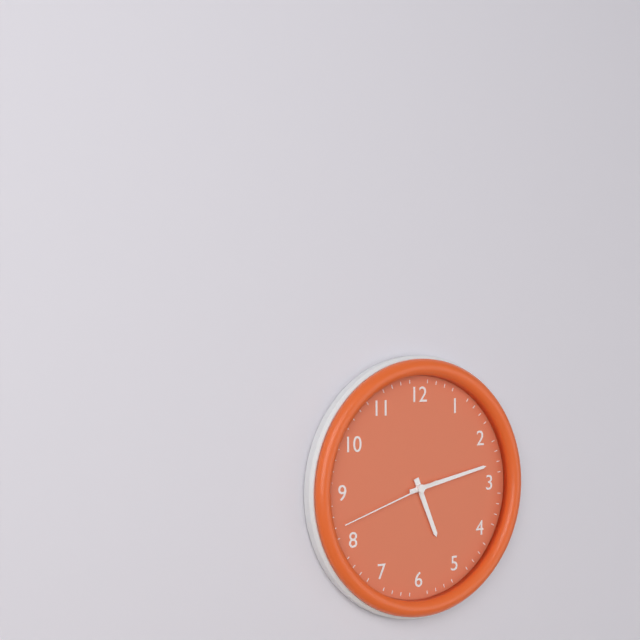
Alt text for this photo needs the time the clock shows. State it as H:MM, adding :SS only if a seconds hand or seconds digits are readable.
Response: 5:13:42
